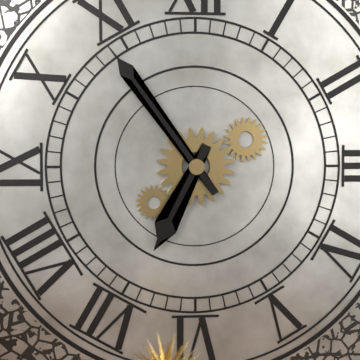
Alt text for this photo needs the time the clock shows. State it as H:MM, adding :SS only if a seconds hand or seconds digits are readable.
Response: 6:54
